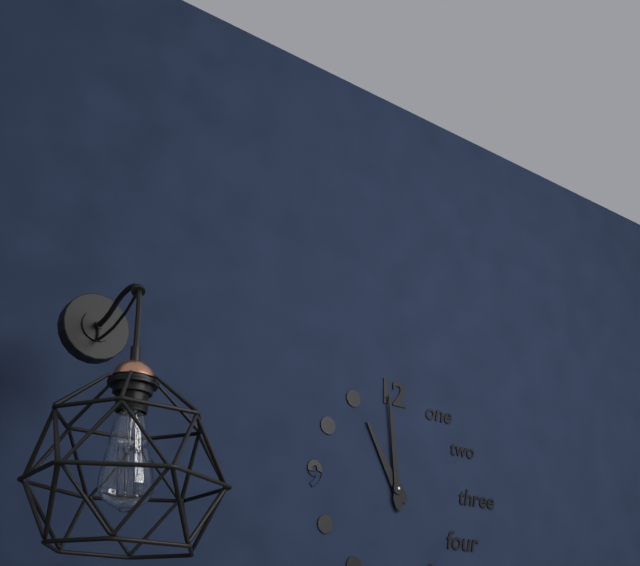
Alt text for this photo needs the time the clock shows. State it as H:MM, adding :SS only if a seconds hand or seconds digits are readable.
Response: 10:59
